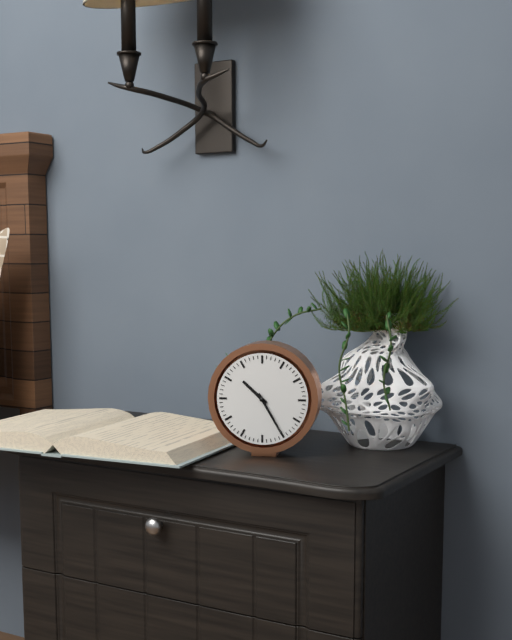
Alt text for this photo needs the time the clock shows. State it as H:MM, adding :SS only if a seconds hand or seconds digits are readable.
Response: 10:25
